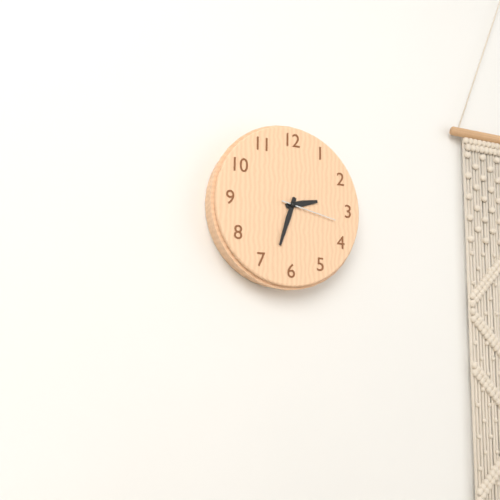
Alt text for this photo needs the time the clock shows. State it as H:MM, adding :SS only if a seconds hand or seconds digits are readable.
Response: 2:33:17
